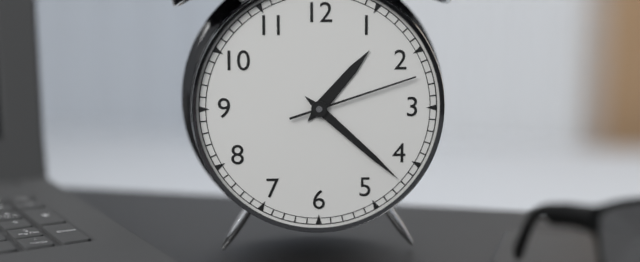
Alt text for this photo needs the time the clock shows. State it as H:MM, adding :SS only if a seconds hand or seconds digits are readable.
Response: 1:22:12
